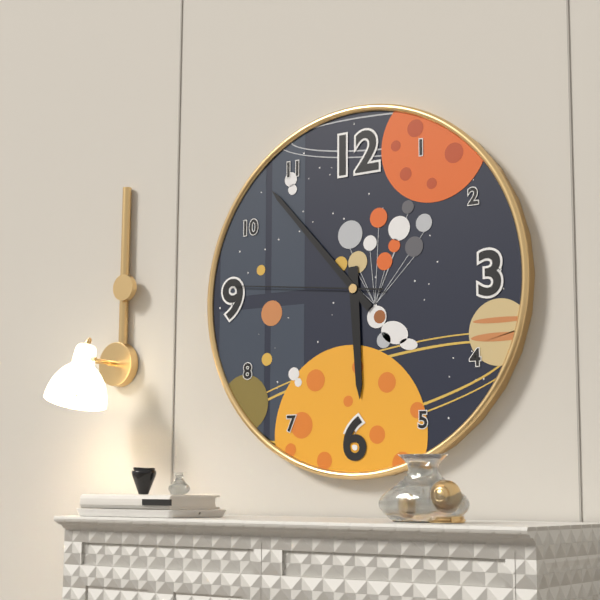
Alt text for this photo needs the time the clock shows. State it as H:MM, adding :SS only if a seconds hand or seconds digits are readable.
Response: 5:53:46
